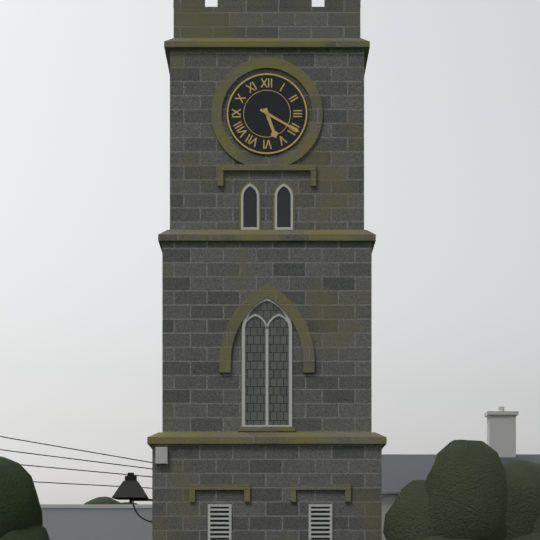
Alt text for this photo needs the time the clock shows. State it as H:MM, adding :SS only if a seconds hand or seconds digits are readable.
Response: 5:20
